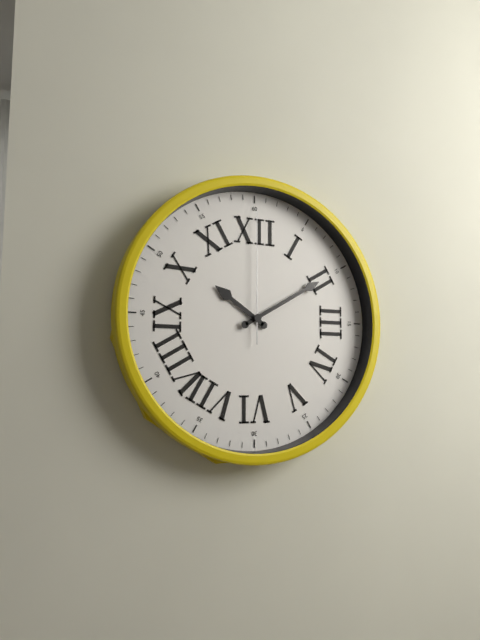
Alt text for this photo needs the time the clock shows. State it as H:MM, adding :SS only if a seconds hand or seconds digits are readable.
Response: 10:10:00
